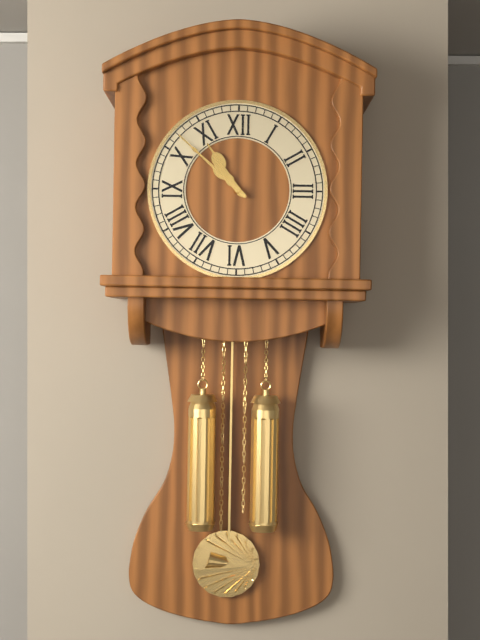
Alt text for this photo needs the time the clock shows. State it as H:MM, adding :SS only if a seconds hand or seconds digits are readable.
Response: 10:52
